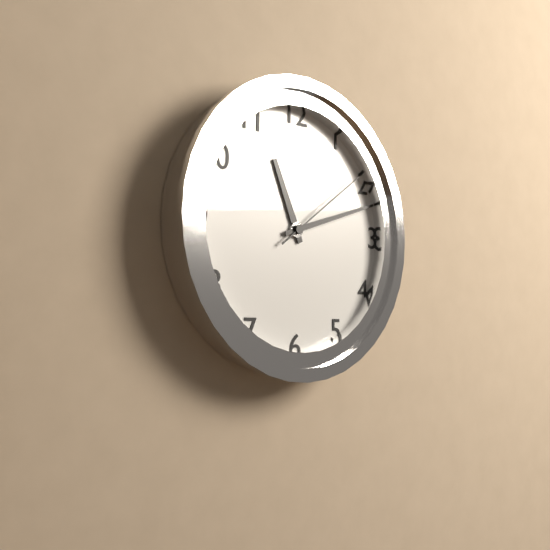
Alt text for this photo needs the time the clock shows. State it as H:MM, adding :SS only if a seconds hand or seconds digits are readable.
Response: 11:12:09
